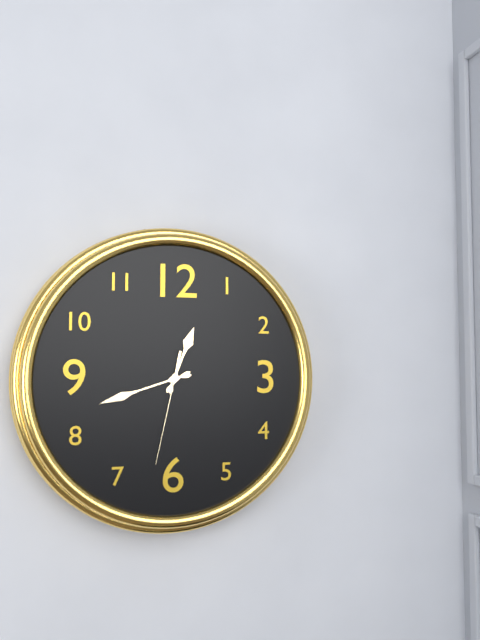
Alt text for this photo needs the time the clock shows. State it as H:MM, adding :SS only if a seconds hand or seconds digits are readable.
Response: 12:42:32
